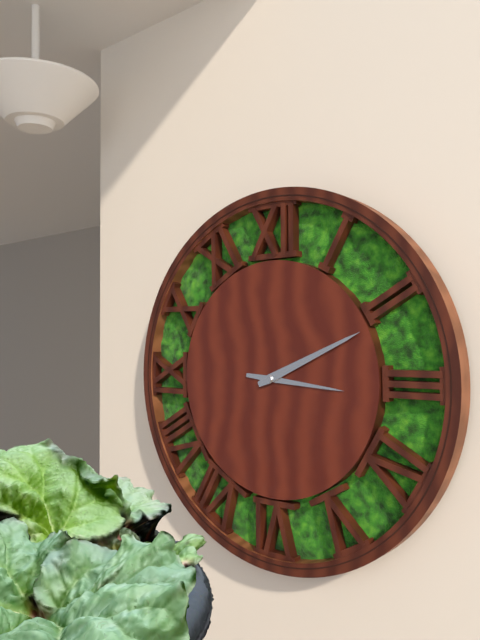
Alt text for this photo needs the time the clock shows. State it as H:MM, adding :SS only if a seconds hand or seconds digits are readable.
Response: 3:11
